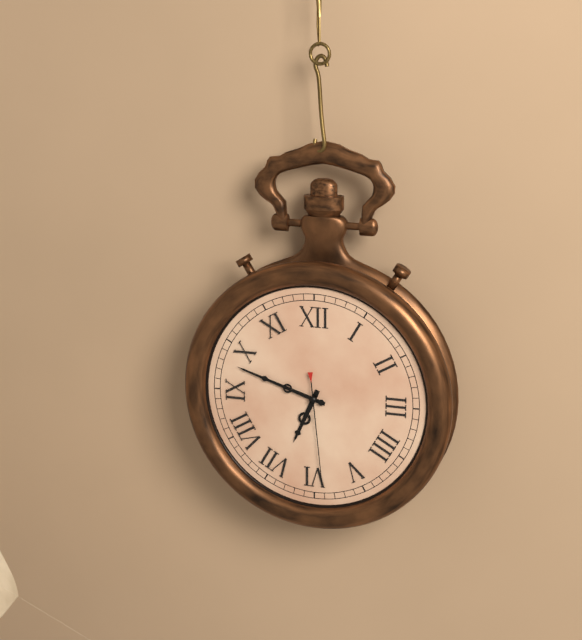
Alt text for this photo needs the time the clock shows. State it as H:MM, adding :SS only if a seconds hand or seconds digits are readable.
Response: 6:48:29
